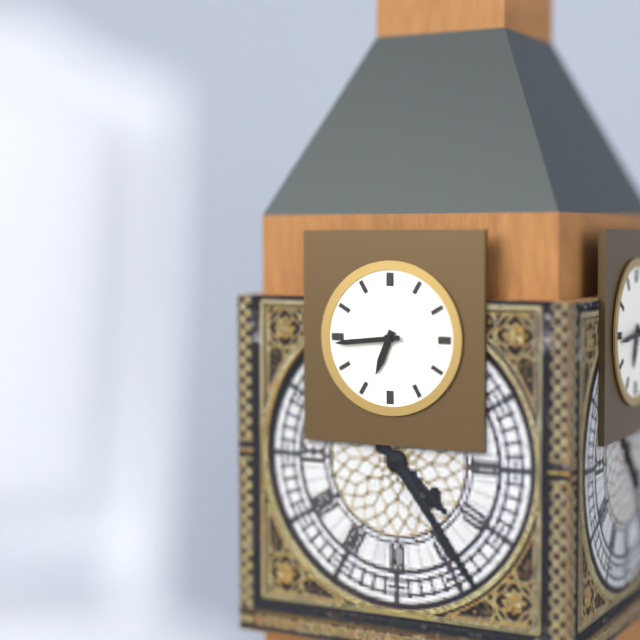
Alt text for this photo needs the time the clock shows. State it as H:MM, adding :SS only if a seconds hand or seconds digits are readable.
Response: 6:44
